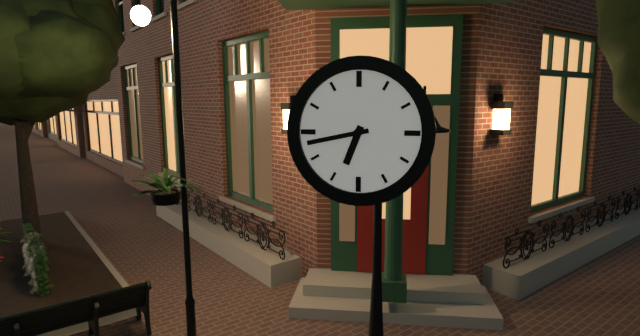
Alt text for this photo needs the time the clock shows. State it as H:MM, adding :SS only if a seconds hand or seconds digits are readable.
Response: 6:43
